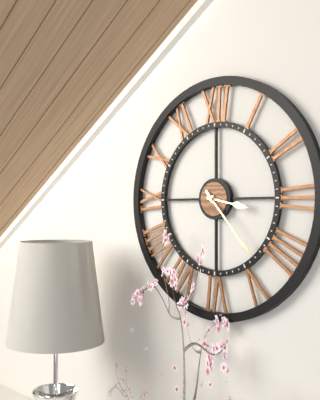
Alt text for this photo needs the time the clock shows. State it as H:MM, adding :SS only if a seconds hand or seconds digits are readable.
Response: 3:23
